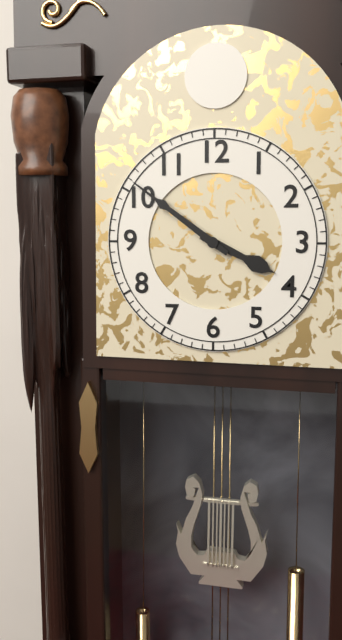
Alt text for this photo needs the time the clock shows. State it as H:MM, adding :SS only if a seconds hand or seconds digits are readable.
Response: 3:51
